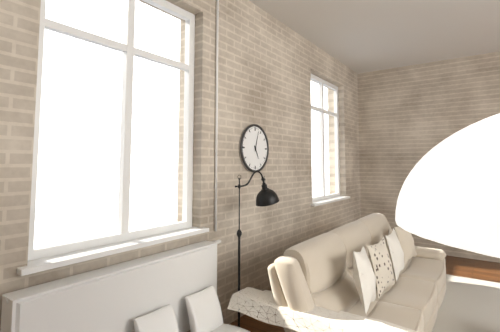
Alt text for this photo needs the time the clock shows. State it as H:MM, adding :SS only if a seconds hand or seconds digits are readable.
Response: 5:03
